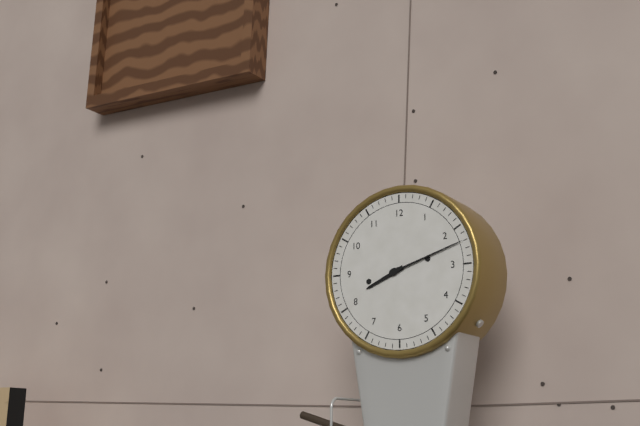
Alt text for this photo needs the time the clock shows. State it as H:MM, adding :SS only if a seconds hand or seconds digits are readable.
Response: 8:12
